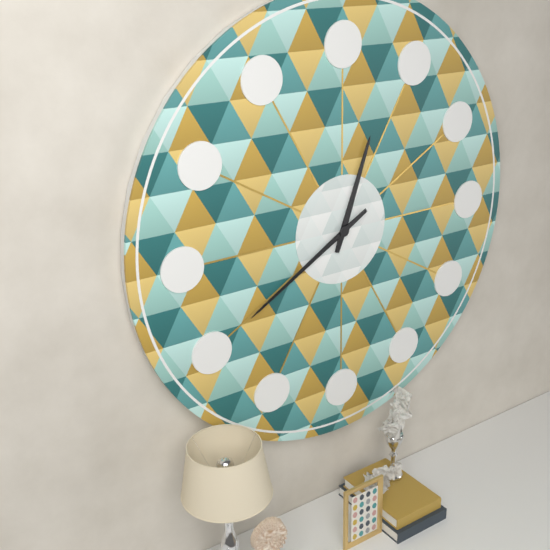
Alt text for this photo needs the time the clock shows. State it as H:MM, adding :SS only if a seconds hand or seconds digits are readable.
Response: 12:40
